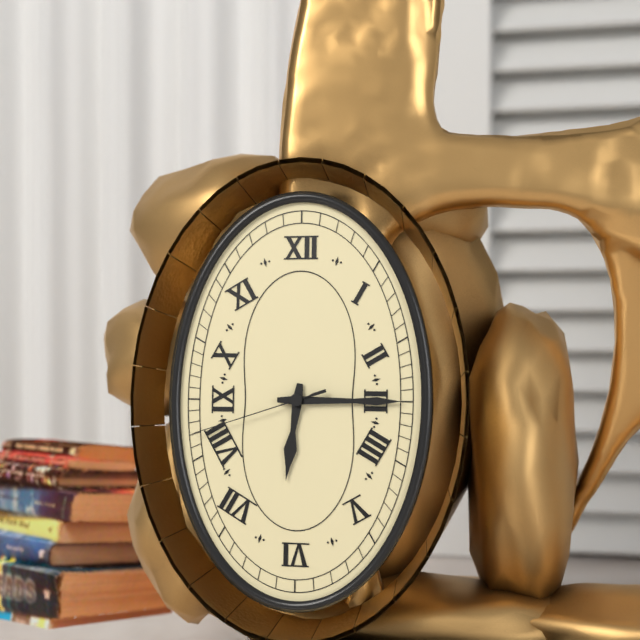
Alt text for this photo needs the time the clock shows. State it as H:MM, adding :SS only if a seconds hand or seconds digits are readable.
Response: 6:15:42
